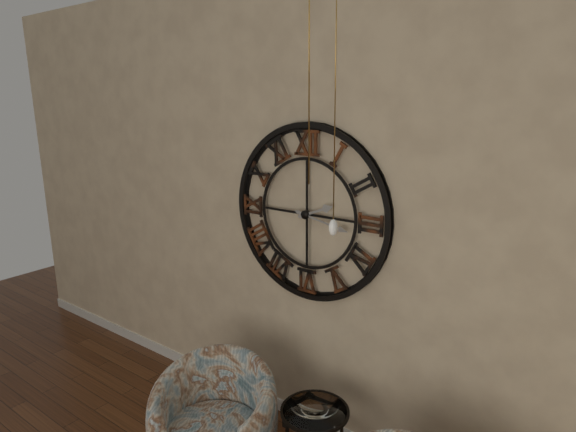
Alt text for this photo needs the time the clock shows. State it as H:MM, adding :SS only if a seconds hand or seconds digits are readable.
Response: 2:17
